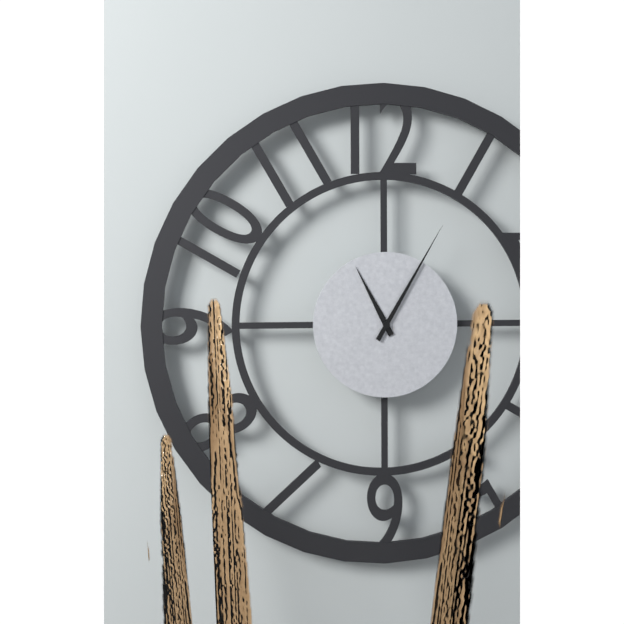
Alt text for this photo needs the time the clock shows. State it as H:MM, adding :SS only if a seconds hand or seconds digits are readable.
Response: 11:05
